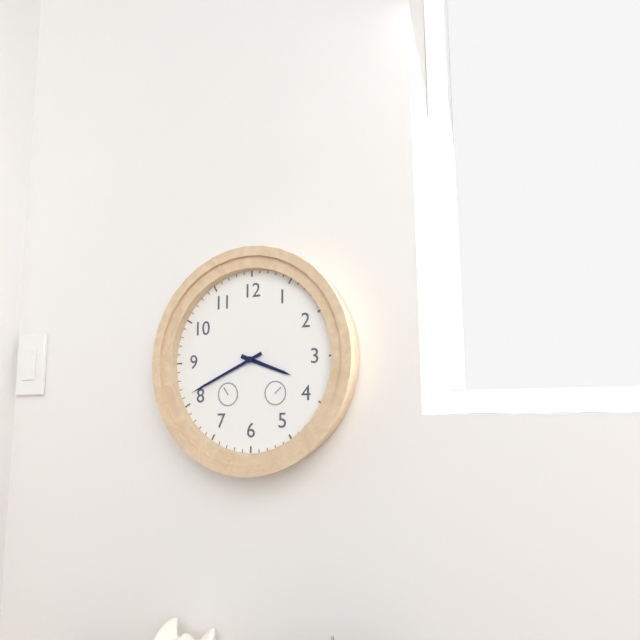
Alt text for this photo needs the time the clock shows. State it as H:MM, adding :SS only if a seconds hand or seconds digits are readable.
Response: 3:41
